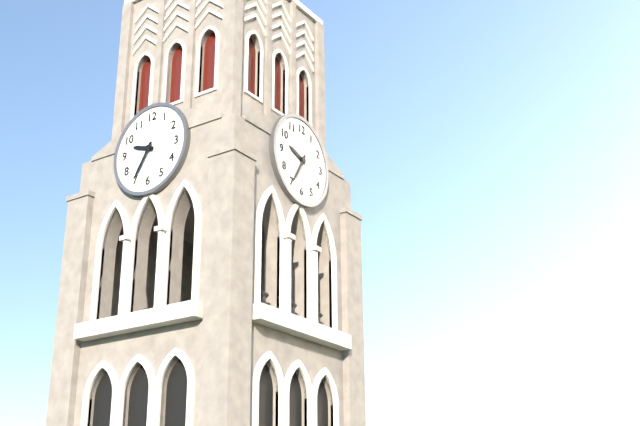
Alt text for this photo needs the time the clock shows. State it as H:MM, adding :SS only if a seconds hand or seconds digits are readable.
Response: 9:35
